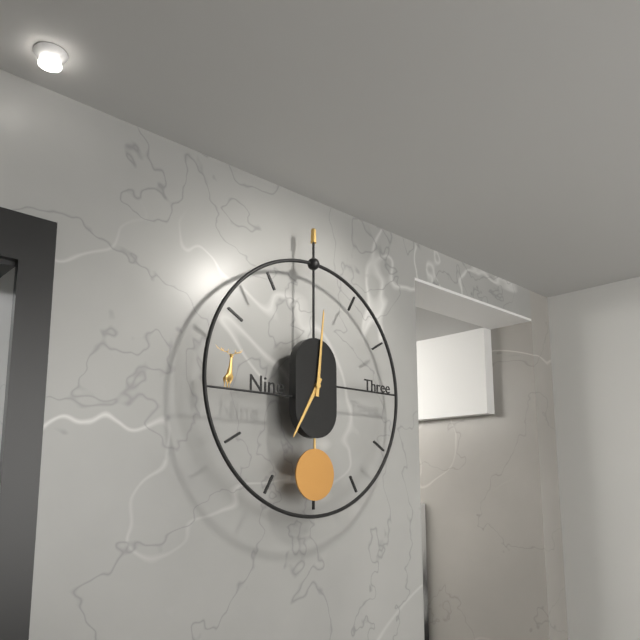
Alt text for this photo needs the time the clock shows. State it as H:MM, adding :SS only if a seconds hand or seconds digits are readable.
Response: 7:01
